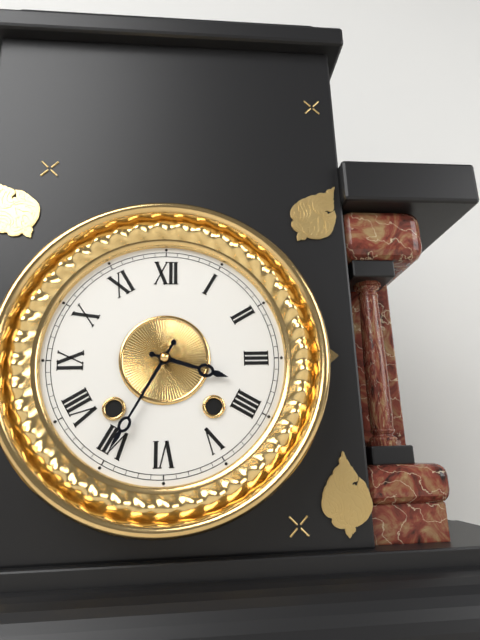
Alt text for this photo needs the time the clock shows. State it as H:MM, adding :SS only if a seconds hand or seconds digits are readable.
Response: 3:35
